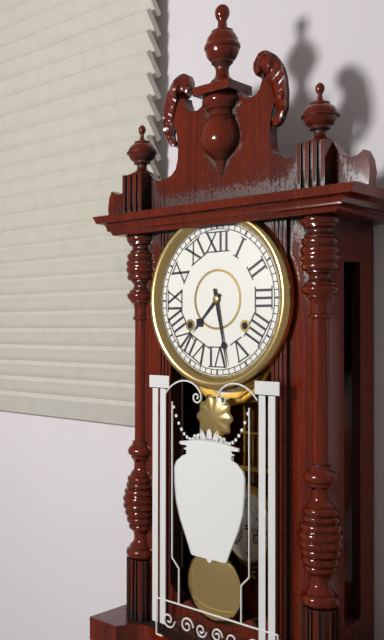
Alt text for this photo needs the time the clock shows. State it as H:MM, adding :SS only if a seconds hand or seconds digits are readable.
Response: 7:28
